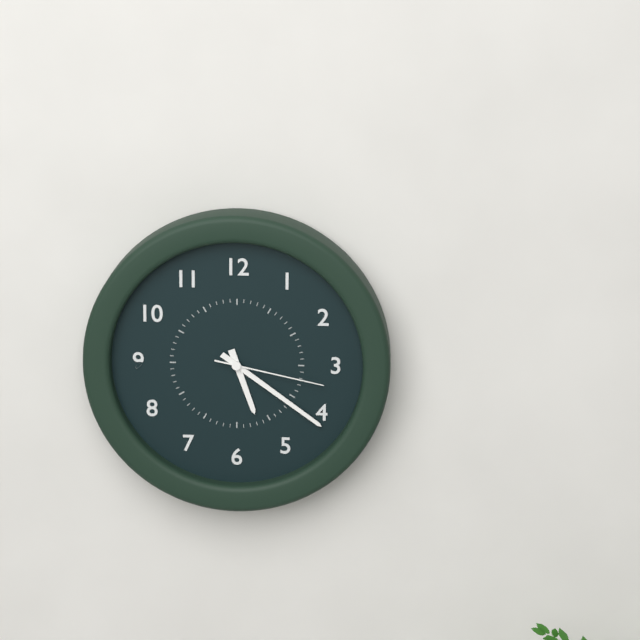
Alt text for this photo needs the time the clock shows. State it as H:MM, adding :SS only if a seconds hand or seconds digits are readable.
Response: 5:21:17
